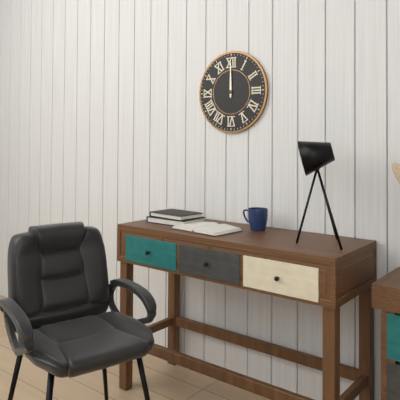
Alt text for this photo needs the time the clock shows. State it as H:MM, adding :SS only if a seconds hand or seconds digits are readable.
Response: 12:00
